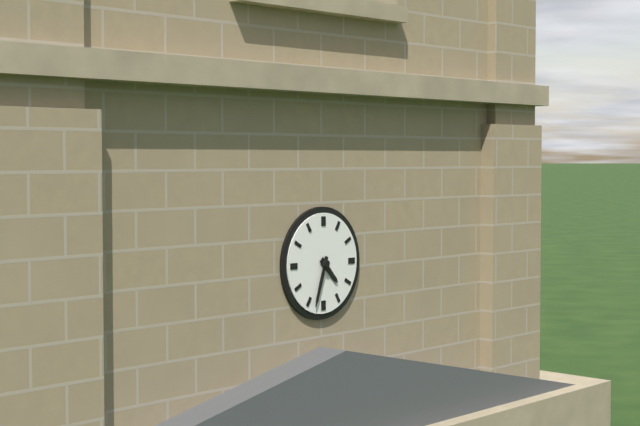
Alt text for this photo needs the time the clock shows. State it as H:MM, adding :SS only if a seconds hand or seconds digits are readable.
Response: 4:33
